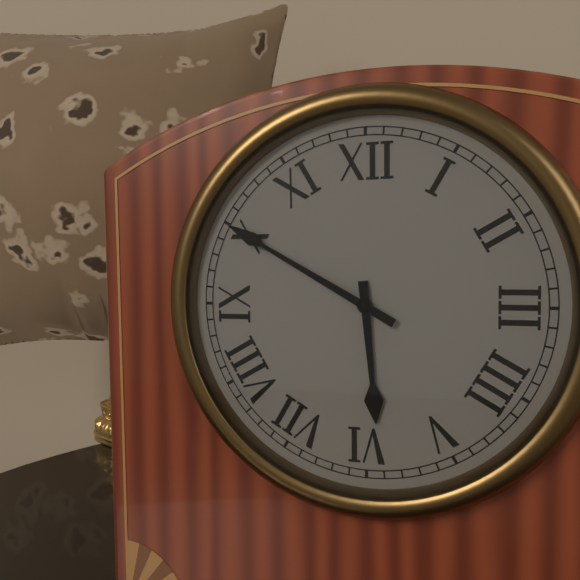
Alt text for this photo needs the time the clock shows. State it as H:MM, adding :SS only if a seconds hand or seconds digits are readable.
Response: 5:50
